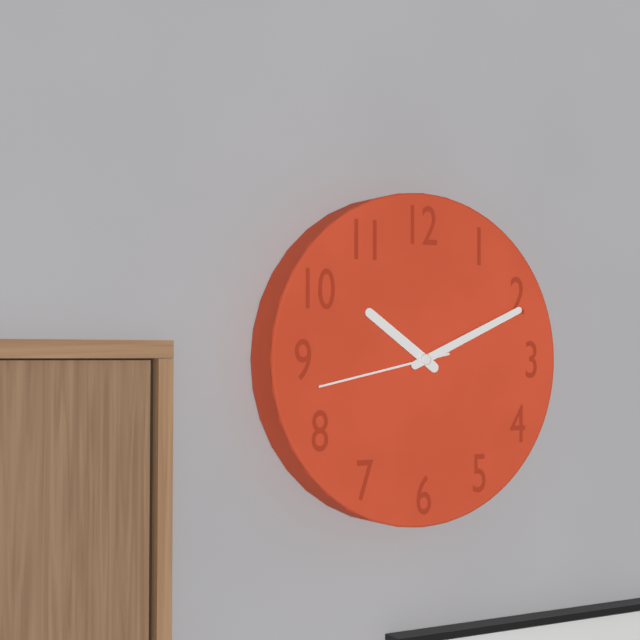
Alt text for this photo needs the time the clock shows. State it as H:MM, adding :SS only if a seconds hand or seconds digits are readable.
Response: 10:11:43
